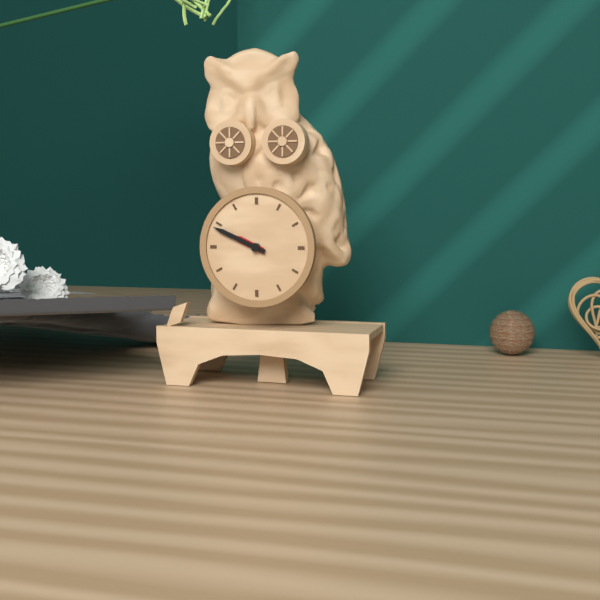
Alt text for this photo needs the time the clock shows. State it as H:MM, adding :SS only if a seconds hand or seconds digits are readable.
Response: 9:49
